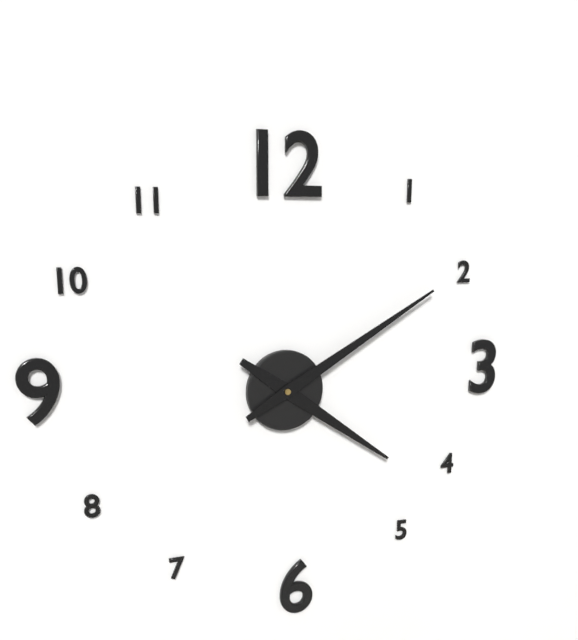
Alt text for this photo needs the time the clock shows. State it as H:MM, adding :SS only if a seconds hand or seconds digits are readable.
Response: 4:10
